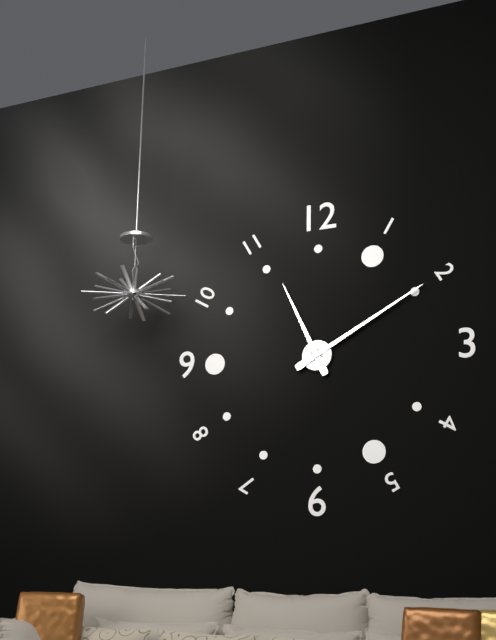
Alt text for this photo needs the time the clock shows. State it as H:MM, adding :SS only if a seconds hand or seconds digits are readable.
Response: 11:10
